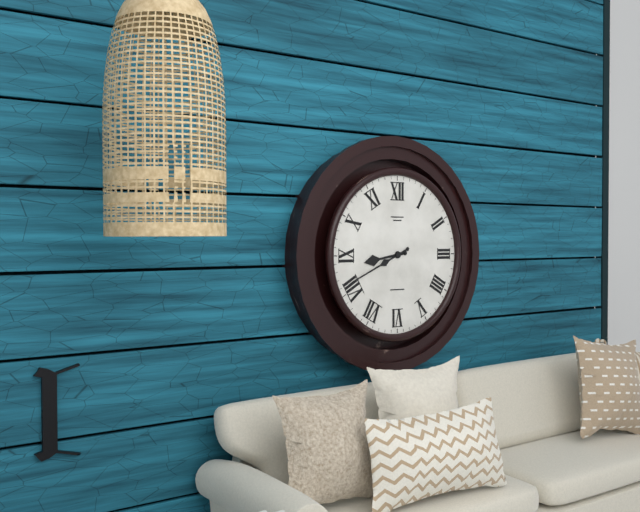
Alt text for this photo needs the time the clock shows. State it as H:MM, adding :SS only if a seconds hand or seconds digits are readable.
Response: 8:41
